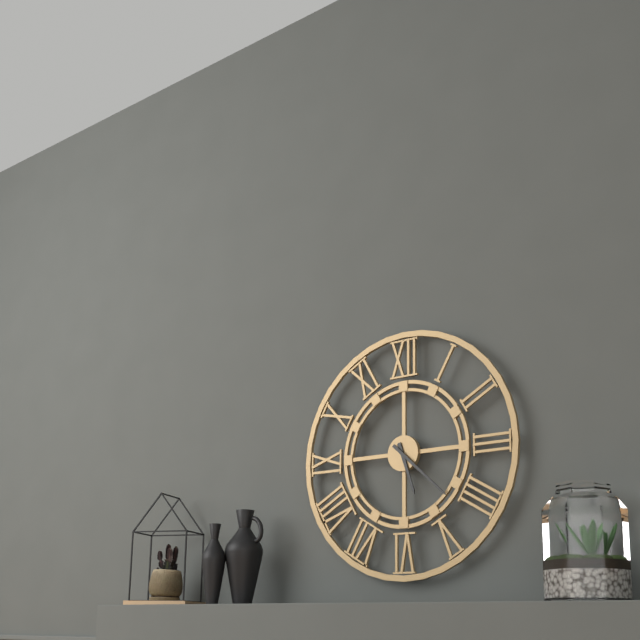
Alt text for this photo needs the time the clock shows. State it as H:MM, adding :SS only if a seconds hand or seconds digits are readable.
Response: 5:22
